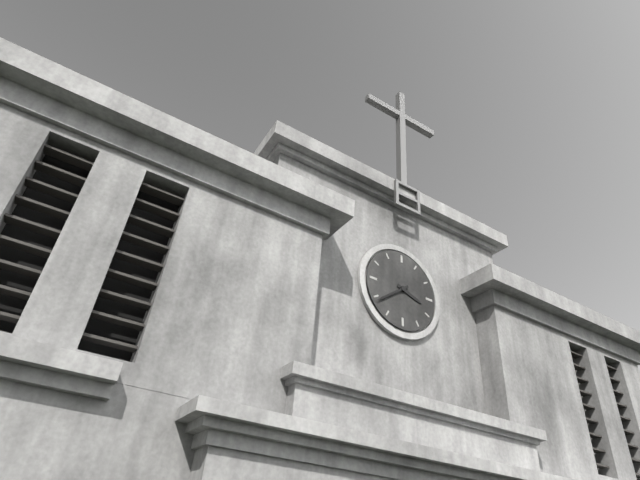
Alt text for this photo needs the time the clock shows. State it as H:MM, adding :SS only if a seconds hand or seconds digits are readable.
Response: 3:39
